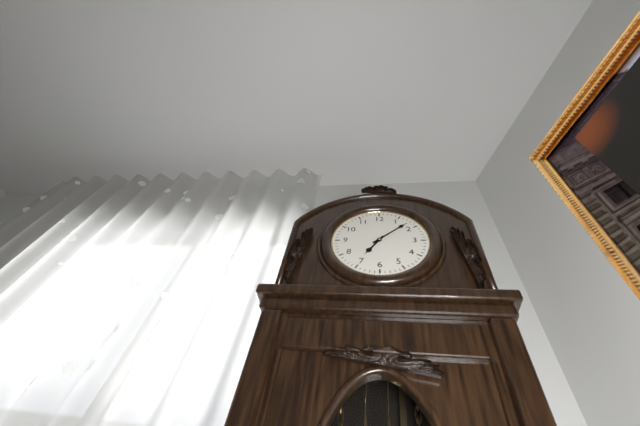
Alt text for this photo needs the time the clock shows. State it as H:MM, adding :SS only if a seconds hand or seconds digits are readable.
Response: 7:08
